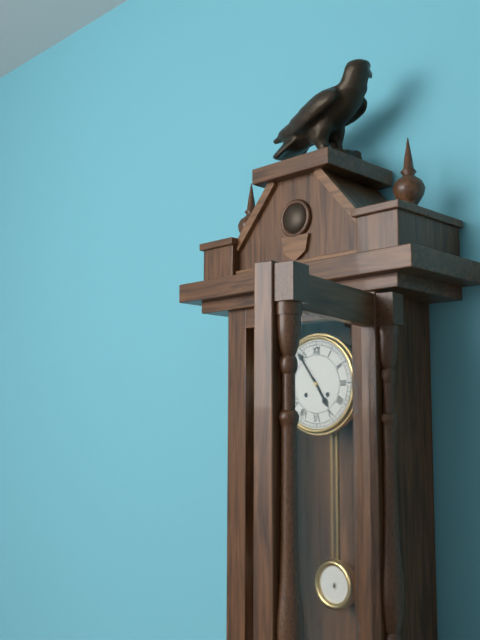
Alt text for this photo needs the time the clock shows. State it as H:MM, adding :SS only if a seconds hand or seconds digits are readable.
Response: 4:54
